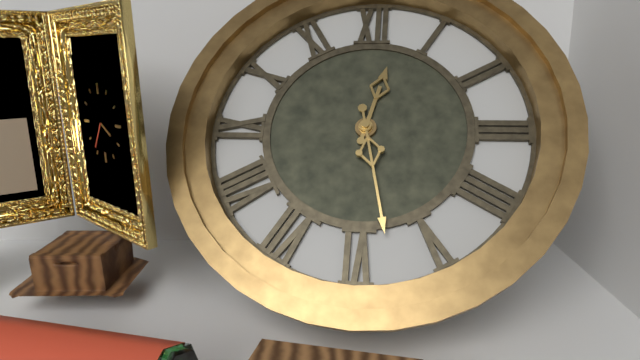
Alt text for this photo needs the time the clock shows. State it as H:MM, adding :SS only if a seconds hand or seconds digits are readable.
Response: 12:28
